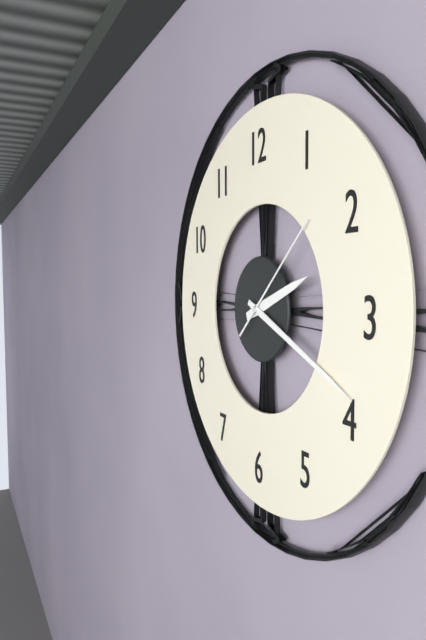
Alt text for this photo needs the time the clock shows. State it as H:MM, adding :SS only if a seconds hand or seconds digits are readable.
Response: 2:19:08
